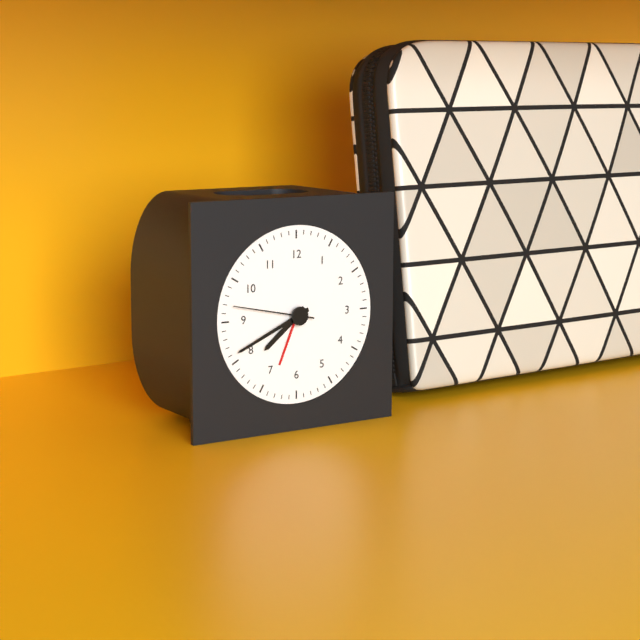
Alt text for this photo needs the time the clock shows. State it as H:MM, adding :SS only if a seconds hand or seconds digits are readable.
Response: 7:41:47
